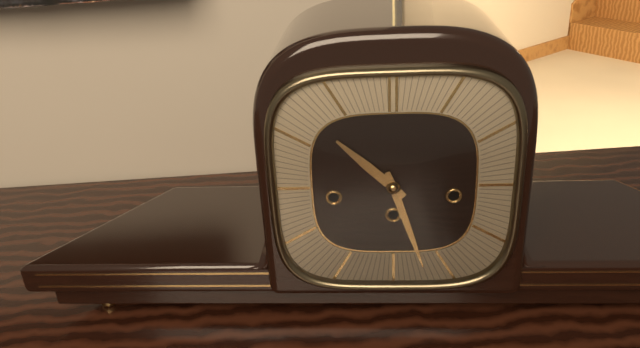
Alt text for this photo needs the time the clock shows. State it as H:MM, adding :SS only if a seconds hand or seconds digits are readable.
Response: 10:27
